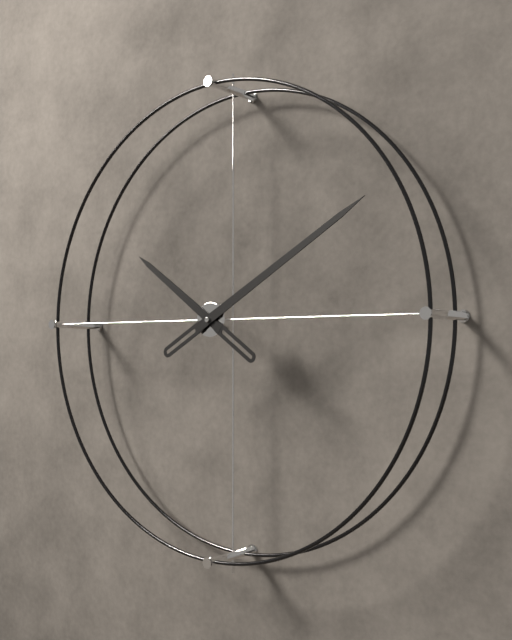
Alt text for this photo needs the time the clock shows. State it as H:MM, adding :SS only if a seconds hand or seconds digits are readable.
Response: 10:10
